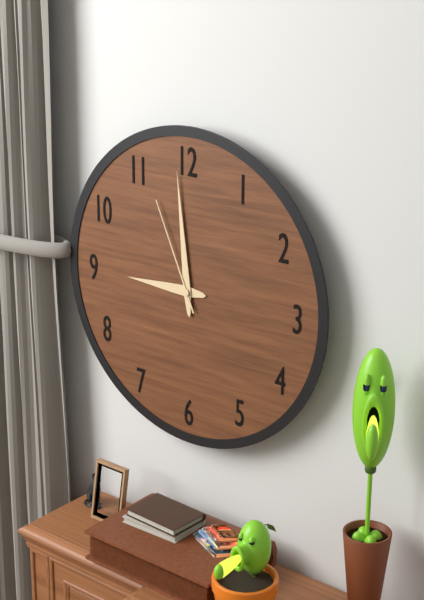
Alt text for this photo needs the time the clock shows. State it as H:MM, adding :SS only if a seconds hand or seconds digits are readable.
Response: 8:59:56
